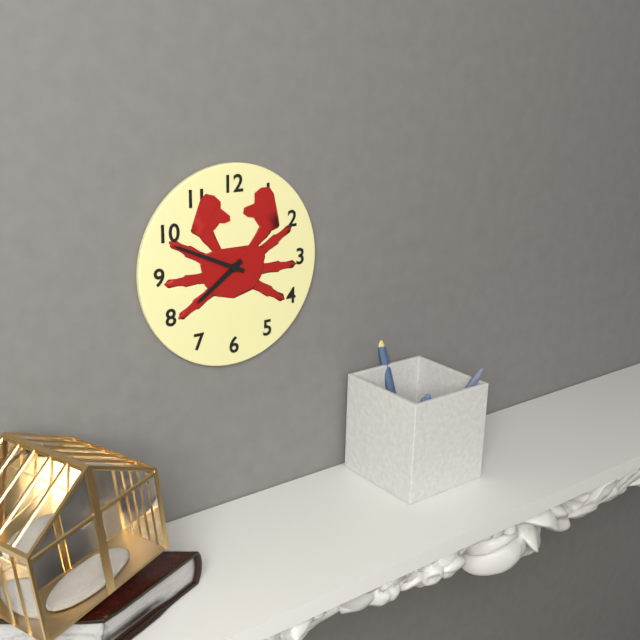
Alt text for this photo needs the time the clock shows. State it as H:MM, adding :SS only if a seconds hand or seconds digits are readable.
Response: 7:49
